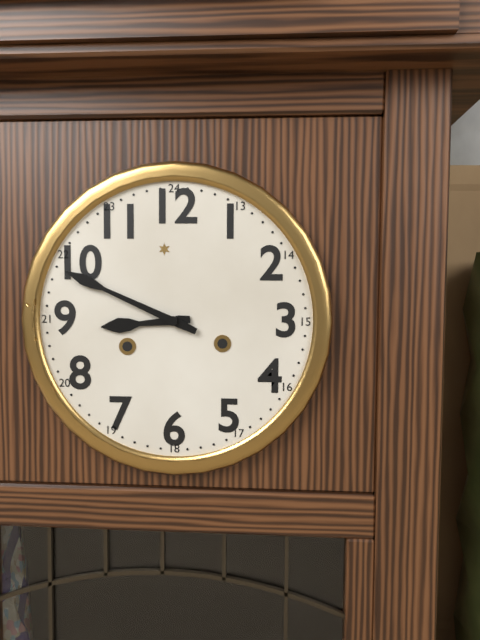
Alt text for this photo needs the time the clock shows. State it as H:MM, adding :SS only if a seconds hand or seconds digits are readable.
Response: 8:49
